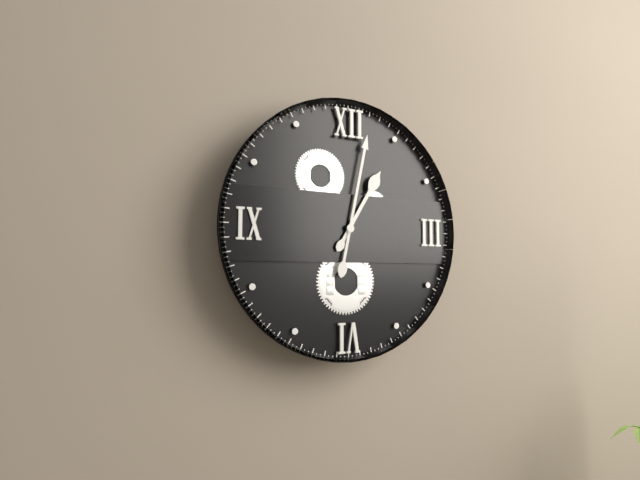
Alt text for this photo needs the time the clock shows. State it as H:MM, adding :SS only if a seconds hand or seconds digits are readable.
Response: 1:02
